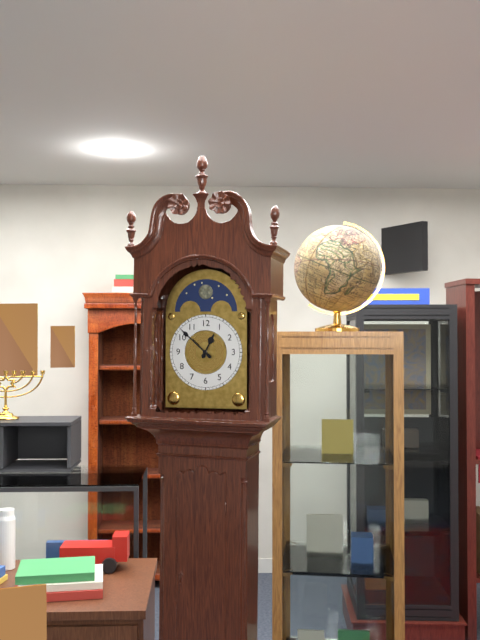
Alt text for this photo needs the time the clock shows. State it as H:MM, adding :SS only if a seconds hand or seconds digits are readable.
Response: 12:52
